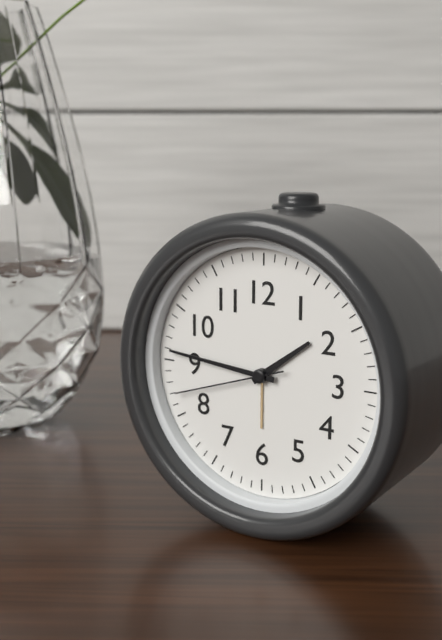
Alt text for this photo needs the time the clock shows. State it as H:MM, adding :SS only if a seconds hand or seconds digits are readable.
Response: 1:46:42
